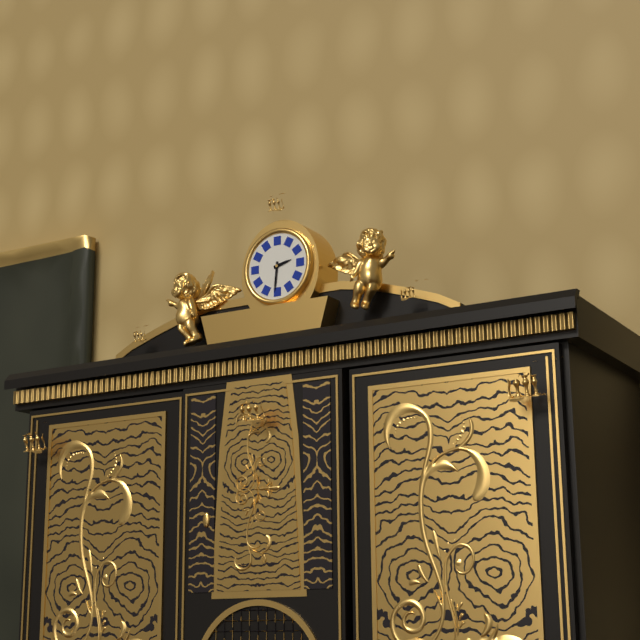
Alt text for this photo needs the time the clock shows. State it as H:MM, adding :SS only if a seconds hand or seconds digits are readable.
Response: 2:31
